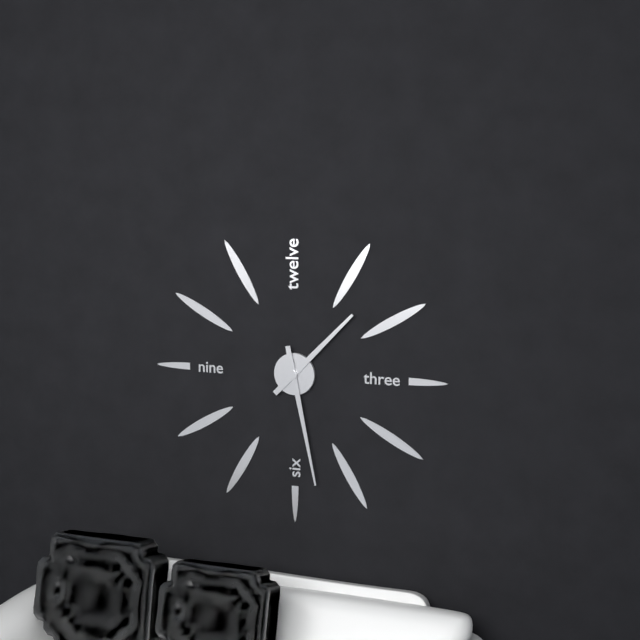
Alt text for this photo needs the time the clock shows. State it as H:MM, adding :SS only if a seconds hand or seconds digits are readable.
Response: 1:28
